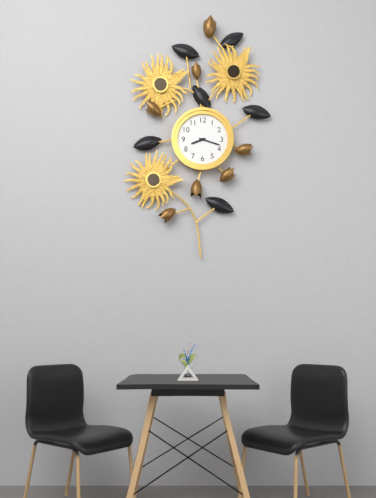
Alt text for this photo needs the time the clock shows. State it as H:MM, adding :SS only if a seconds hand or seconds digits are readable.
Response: 8:18
